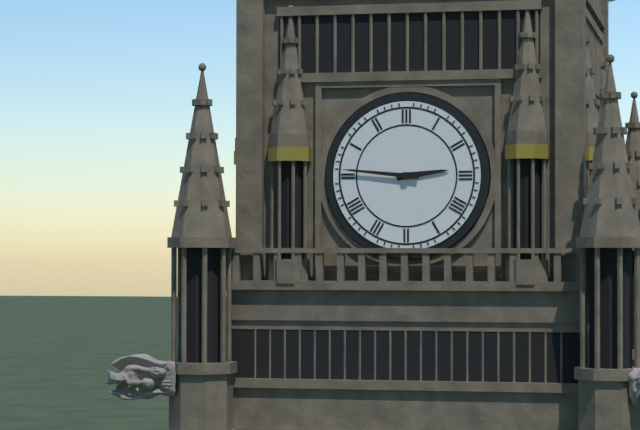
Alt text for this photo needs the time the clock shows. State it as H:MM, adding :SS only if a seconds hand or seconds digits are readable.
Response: 2:46
